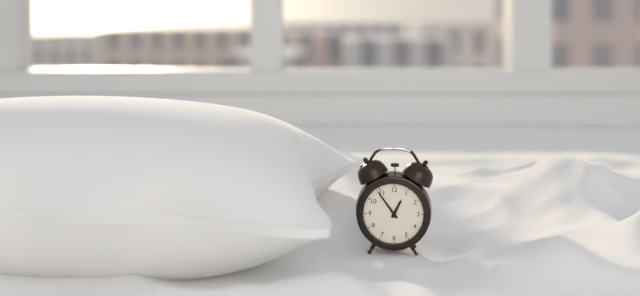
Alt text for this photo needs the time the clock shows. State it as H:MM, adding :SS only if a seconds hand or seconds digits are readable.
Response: 12:54
